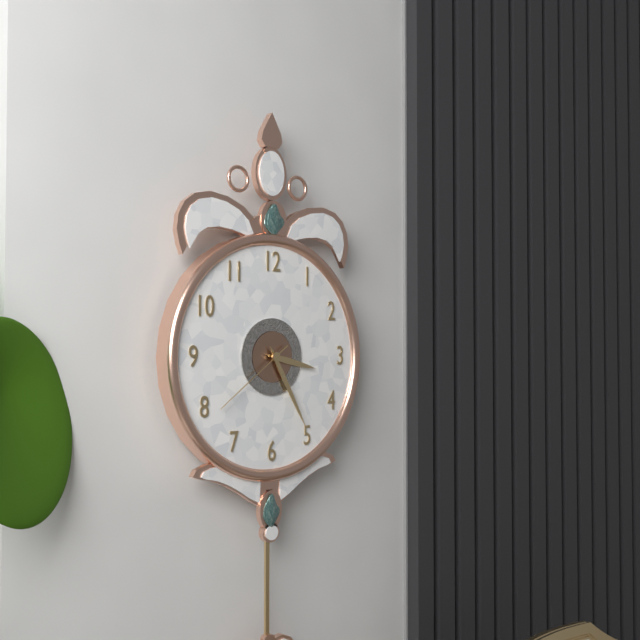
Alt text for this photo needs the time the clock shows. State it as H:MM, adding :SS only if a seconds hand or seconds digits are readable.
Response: 3:25:39
